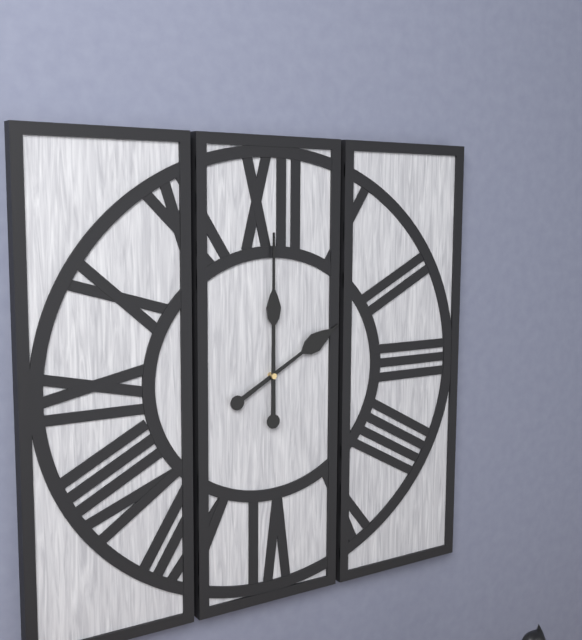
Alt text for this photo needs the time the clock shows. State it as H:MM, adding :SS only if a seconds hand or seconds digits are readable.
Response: 2:00
